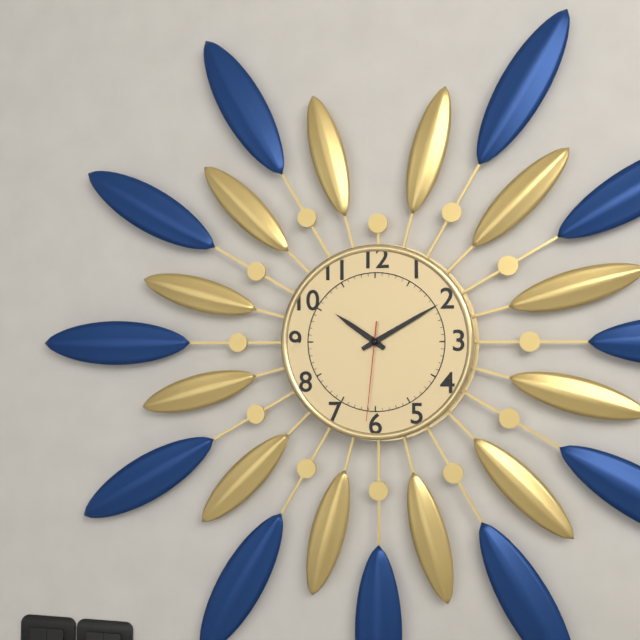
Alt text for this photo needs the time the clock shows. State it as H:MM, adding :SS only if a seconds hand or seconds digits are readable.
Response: 10:10:31
